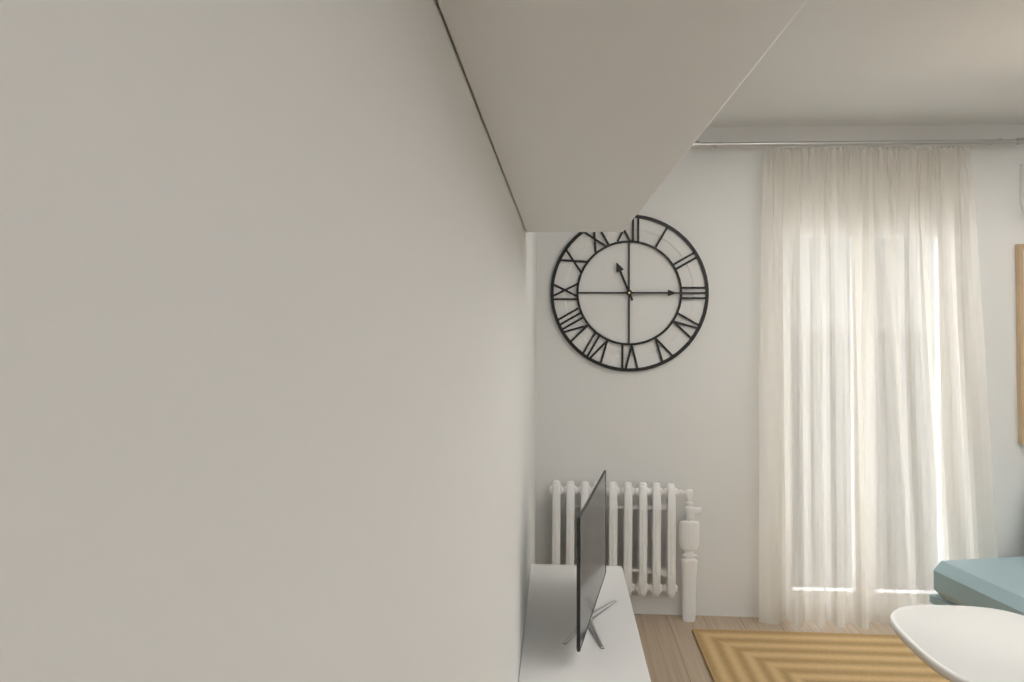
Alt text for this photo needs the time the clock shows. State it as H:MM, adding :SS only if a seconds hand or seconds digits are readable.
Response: 11:15
